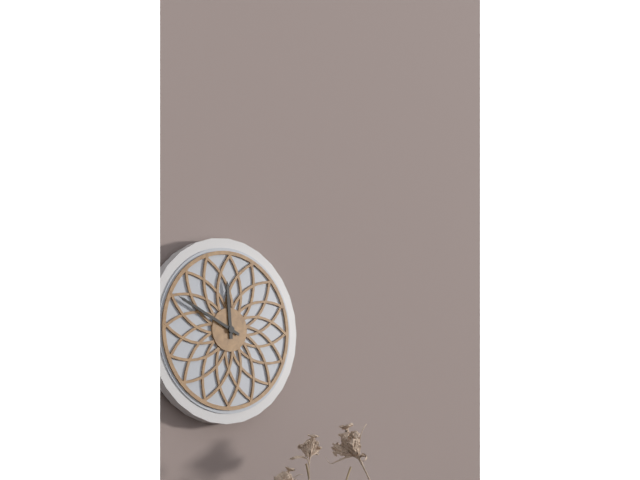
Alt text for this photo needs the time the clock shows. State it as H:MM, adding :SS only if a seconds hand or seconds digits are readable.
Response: 11:49
